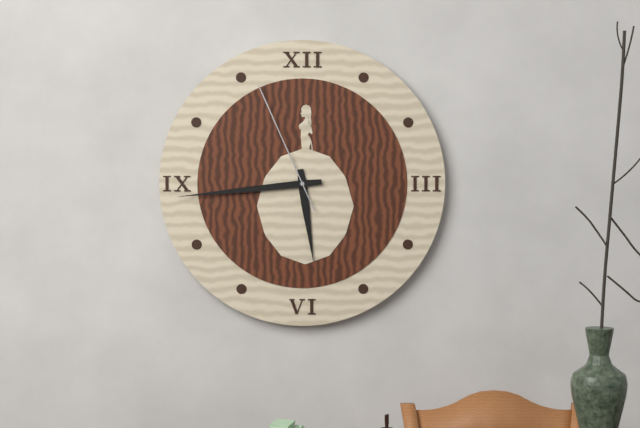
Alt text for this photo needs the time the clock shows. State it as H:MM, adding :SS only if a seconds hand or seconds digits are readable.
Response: 5:44:56
